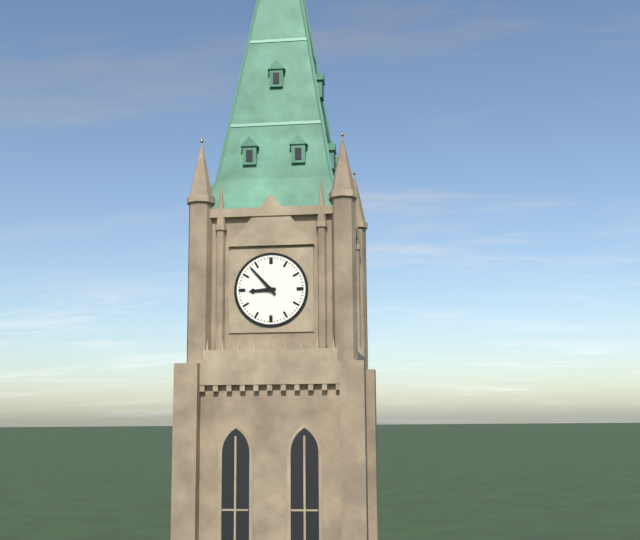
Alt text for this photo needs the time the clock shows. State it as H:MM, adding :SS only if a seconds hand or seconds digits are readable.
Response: 8:53
